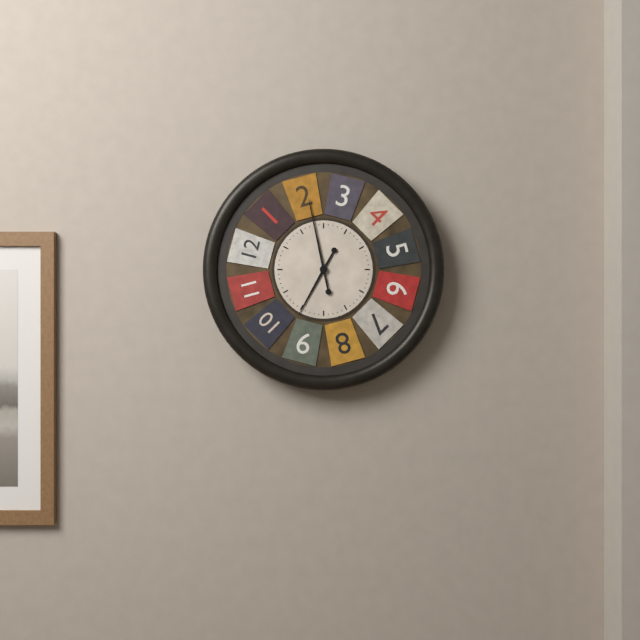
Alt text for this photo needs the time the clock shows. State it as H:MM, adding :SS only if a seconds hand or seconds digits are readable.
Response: 6:58
